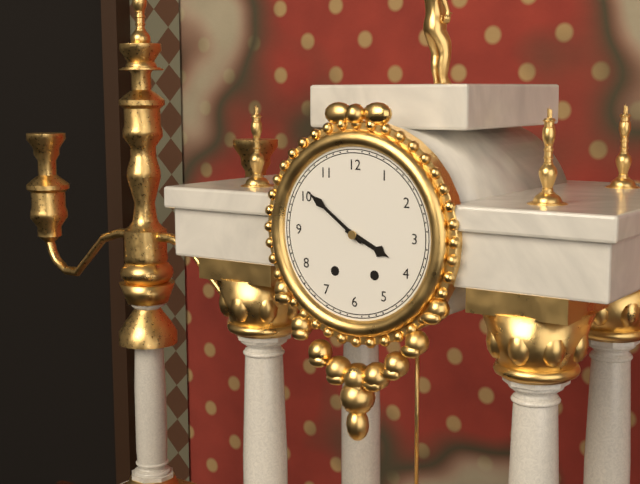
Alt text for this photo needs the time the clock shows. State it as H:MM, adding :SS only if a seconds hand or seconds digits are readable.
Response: 3:51
